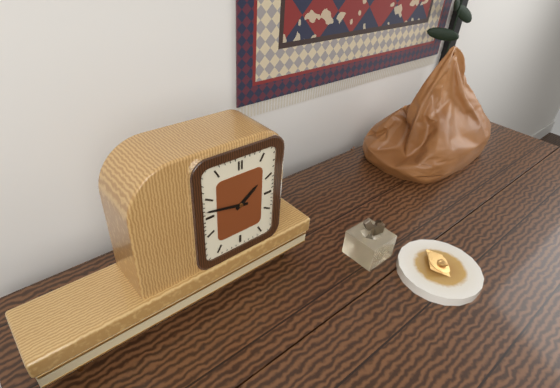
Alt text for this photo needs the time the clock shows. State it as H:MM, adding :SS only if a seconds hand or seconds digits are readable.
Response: 1:47
